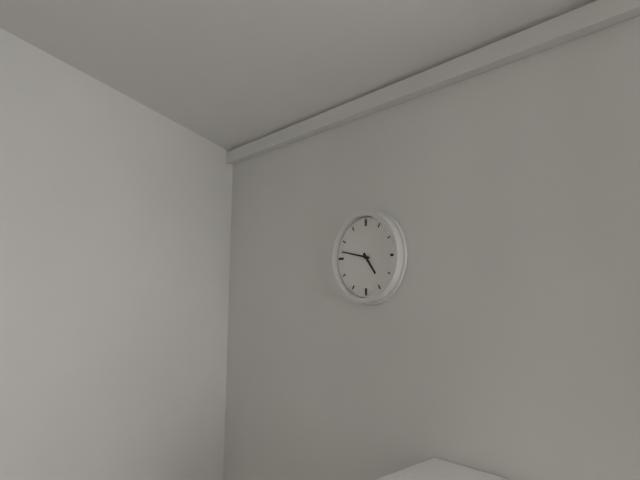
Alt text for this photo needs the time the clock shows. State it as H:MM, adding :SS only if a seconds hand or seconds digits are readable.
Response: 4:47
